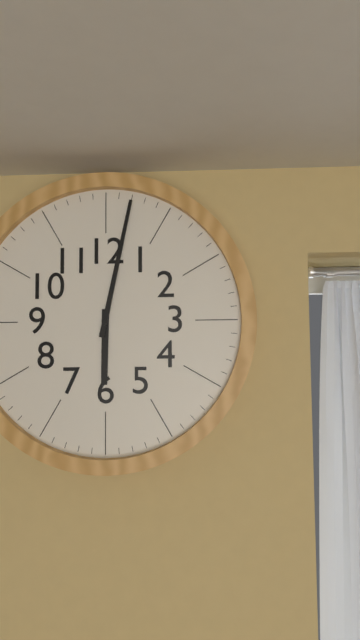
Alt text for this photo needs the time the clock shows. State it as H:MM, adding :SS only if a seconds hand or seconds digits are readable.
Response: 6:02
